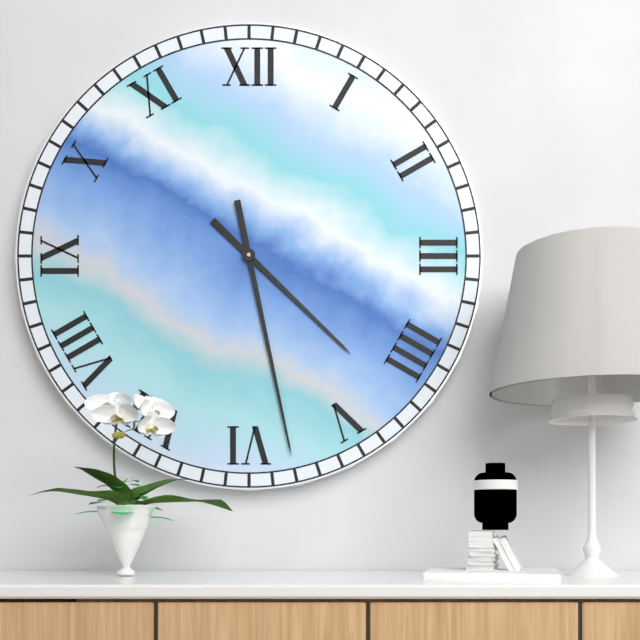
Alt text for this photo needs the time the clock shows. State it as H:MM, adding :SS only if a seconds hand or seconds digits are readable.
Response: 4:28
